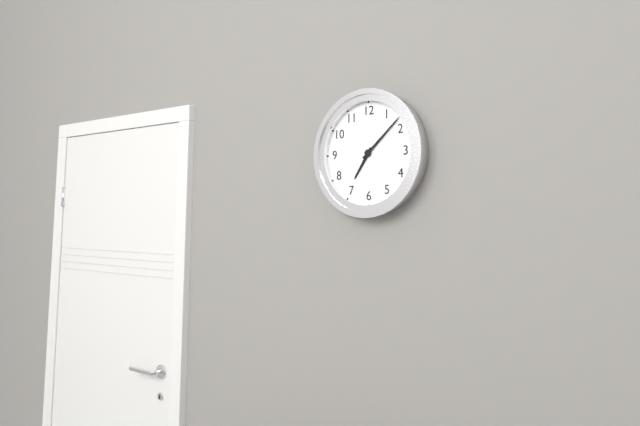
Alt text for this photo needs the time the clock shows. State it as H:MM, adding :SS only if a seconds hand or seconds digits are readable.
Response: 7:08
